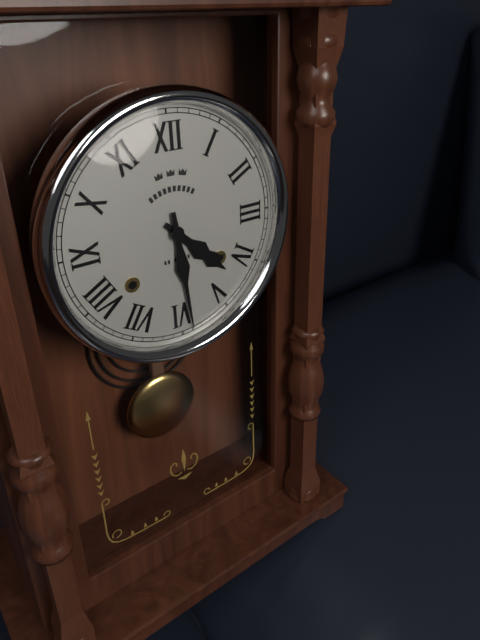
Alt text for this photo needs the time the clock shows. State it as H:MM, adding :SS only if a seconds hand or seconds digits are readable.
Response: 4:29
